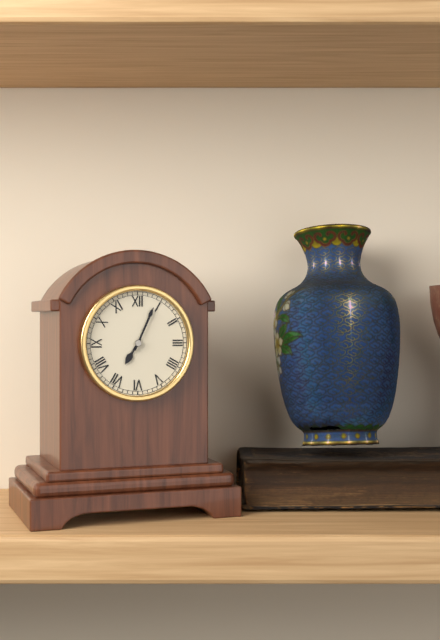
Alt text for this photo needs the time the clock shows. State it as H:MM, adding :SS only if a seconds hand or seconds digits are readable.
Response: 7:04
